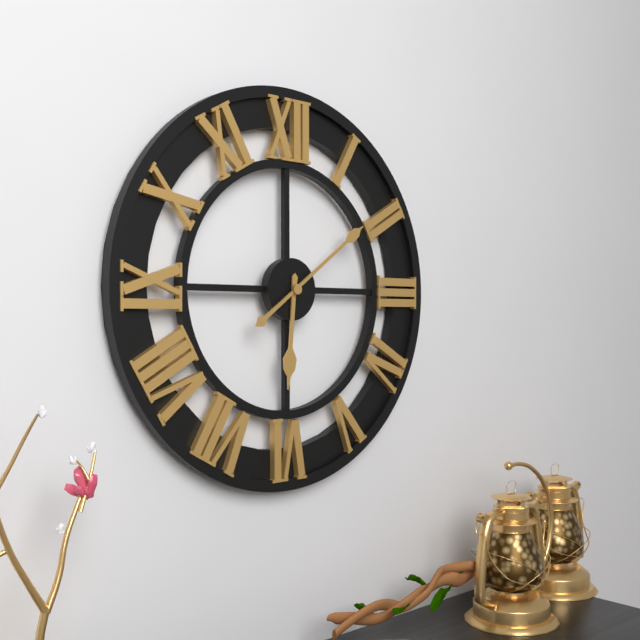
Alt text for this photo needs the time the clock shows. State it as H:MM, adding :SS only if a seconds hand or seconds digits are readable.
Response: 6:09
